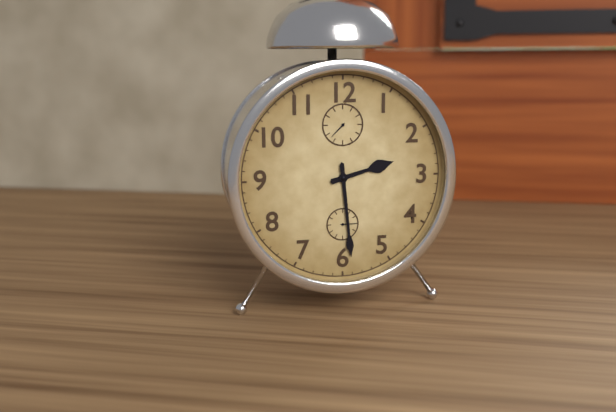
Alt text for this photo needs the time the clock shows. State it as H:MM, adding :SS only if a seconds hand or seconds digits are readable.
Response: 2:29
